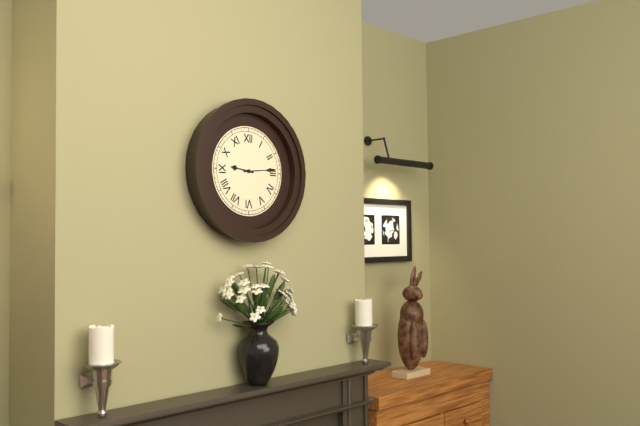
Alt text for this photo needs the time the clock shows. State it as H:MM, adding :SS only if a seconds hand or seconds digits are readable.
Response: 9:14
